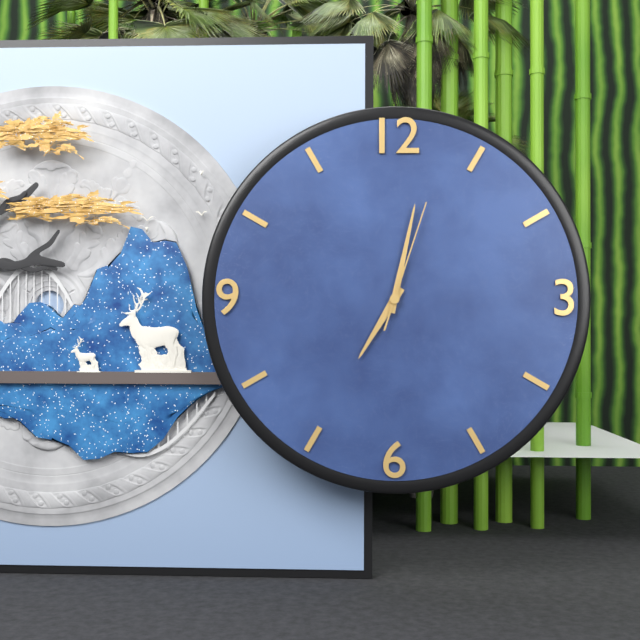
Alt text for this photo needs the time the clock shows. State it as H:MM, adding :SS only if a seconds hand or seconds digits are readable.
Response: 7:02:03
